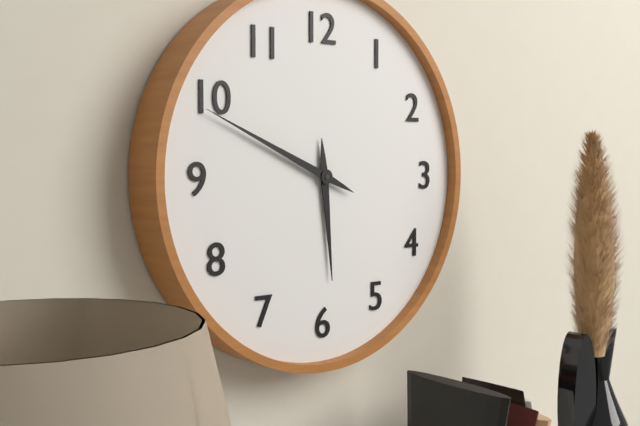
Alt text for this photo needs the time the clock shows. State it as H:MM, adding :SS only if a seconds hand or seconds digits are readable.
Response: 5:49
